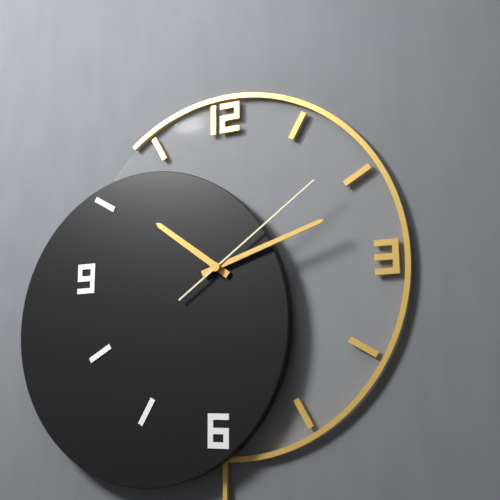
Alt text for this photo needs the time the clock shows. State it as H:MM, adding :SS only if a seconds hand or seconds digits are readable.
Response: 10:12:09
